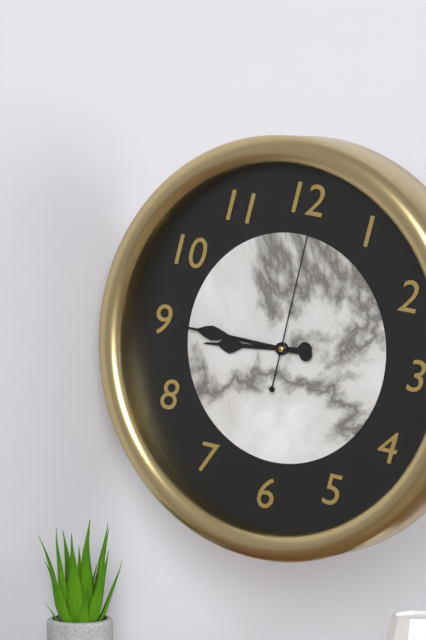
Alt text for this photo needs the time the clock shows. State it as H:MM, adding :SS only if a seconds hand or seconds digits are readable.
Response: 8:45:01
